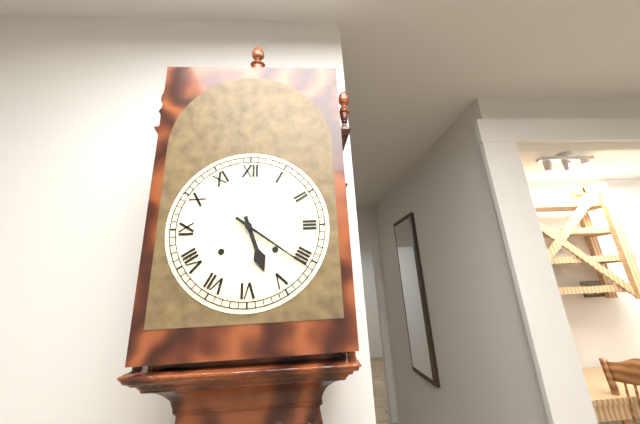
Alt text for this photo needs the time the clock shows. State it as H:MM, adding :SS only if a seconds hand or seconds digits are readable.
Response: 5:21
